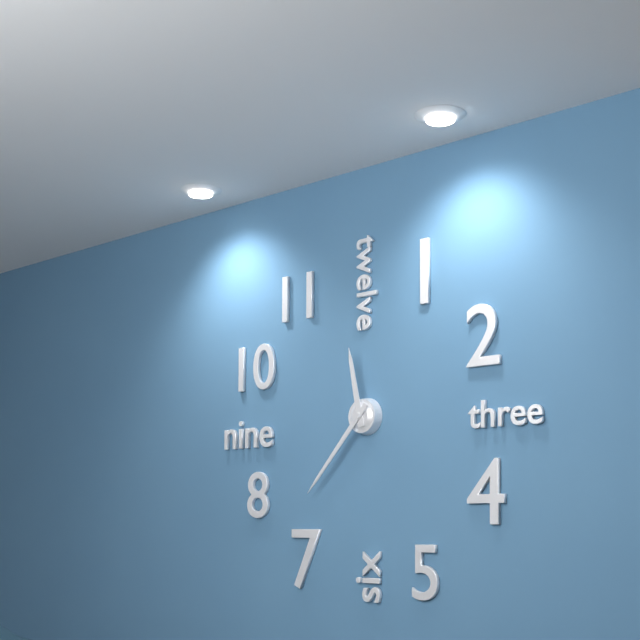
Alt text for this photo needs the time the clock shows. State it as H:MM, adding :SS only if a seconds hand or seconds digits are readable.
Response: 11:37
